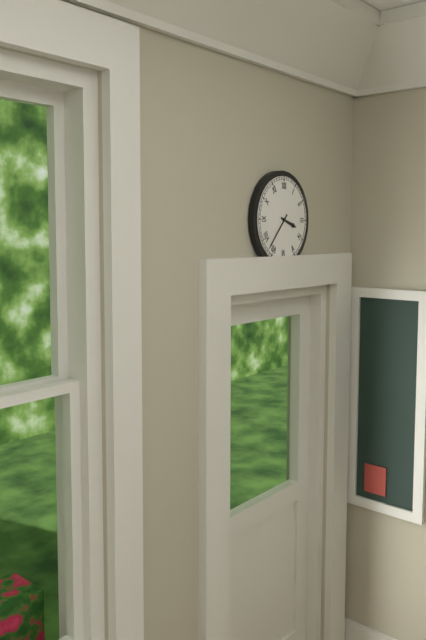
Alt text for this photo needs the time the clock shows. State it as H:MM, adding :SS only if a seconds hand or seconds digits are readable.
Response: 3:37
